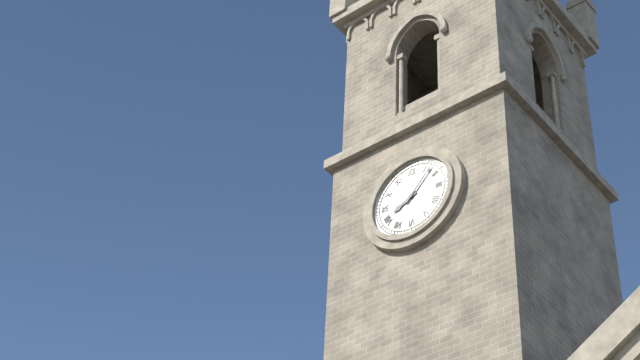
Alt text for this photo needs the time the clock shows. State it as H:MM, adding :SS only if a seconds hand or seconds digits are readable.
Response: 8:07
